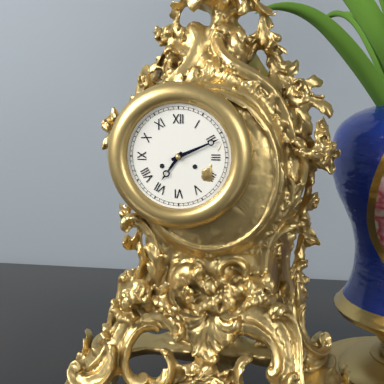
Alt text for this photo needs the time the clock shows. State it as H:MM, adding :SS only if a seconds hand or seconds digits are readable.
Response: 7:11
